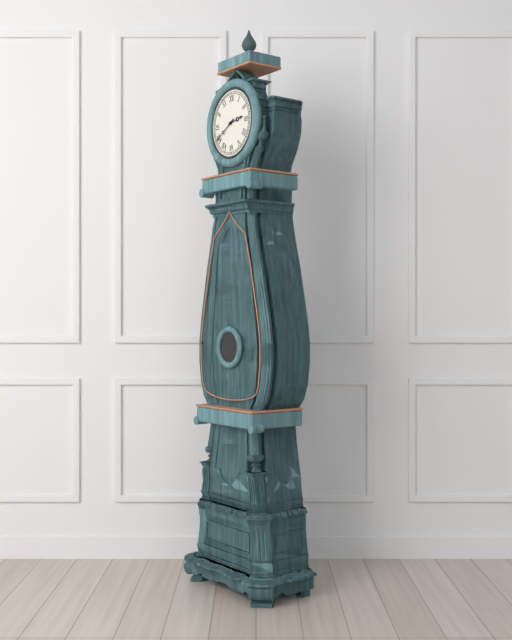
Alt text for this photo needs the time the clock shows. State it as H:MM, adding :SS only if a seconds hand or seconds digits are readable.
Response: 2:40
